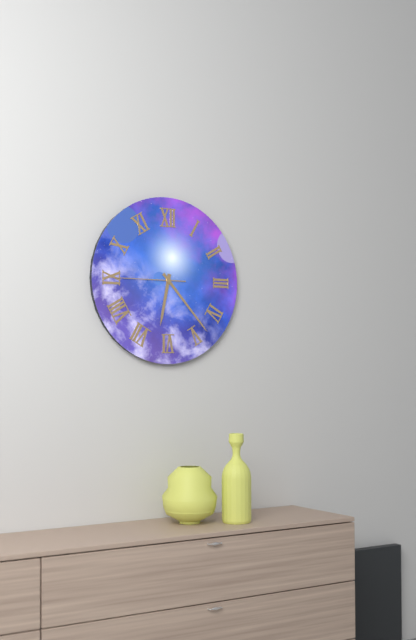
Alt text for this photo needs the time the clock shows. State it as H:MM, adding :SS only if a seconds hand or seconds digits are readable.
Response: 6:23:45
